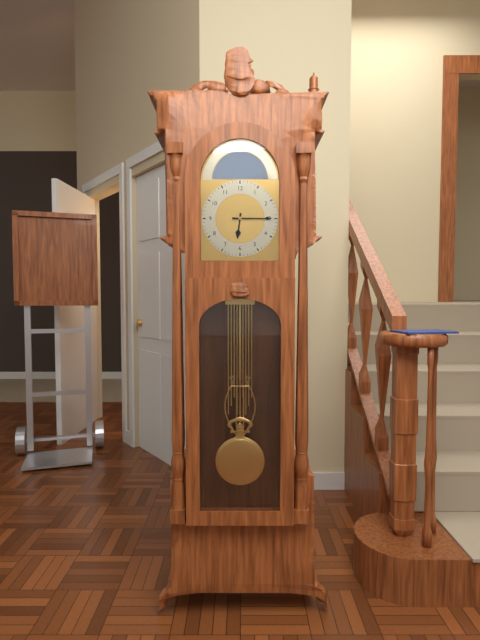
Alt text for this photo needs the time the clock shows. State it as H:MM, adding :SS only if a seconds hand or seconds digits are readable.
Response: 6:15
